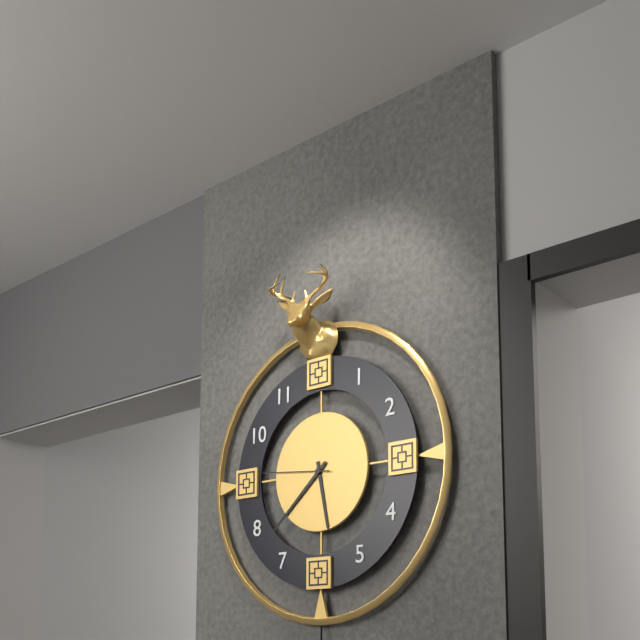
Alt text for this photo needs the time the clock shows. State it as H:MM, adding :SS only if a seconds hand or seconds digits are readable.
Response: 5:38:46
